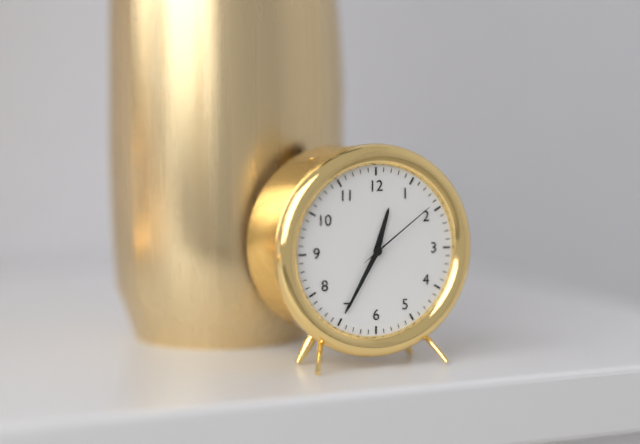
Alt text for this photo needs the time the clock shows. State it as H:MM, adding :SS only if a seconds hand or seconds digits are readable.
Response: 12:35:09
